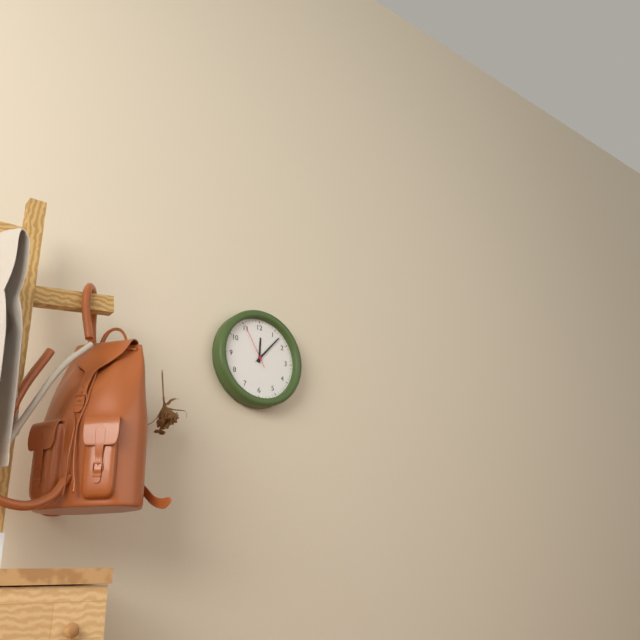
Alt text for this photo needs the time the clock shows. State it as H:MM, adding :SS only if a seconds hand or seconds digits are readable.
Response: 12:07
